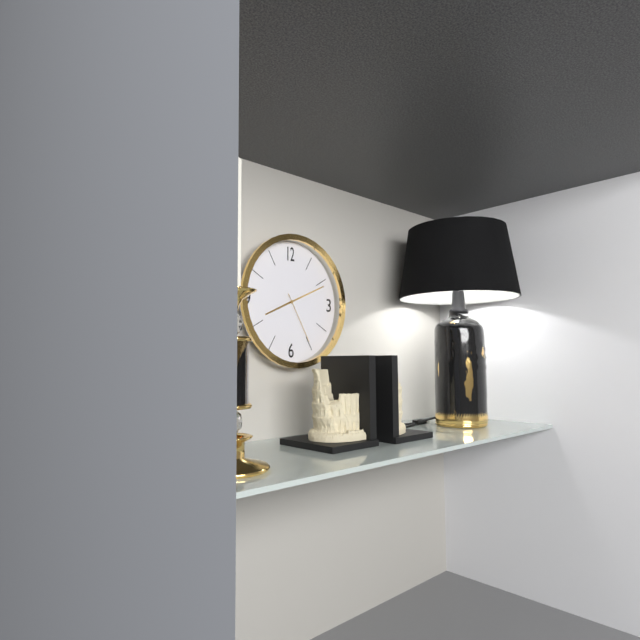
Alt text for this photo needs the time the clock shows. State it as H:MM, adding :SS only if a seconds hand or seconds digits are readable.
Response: 8:11:25
